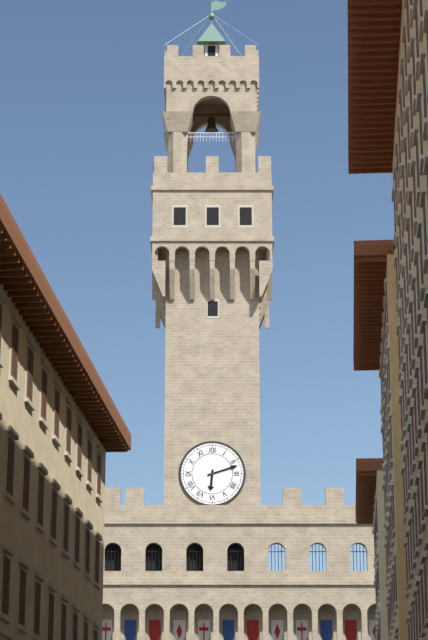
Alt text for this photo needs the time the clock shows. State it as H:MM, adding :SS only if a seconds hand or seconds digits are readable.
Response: 6:12
